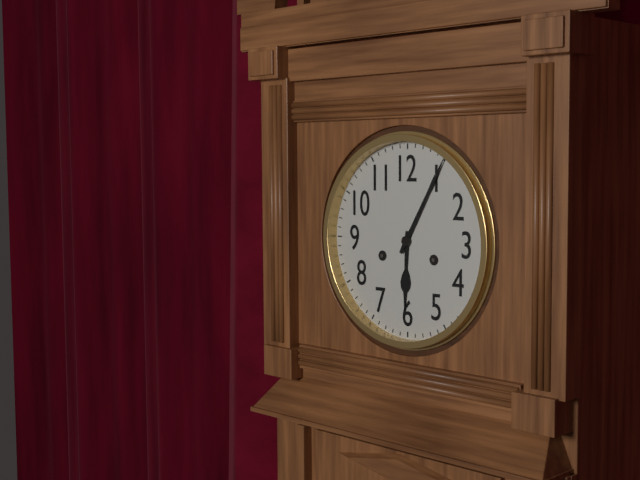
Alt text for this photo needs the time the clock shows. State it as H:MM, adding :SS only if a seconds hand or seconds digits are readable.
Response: 6:05
